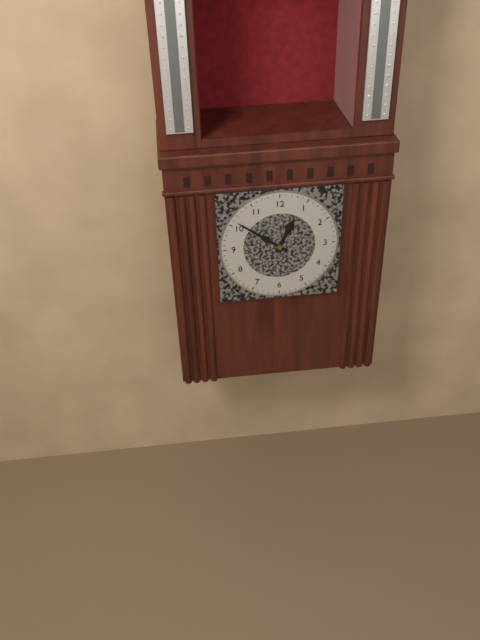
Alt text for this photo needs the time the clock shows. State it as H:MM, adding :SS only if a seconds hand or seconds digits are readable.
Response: 12:51
